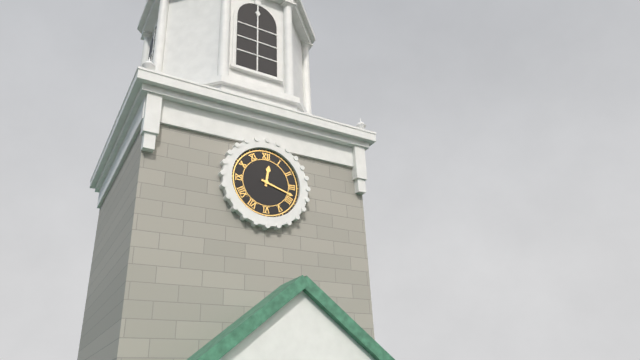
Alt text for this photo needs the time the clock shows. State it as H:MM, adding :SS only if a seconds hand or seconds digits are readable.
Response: 12:18
